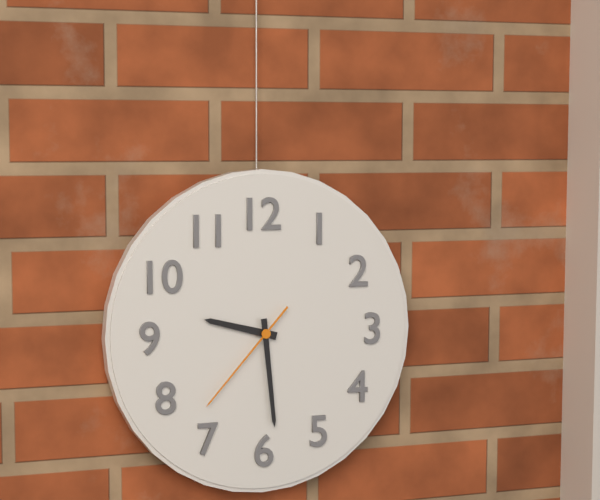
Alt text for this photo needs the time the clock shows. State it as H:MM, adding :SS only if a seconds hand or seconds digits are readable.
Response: 9:29:37
